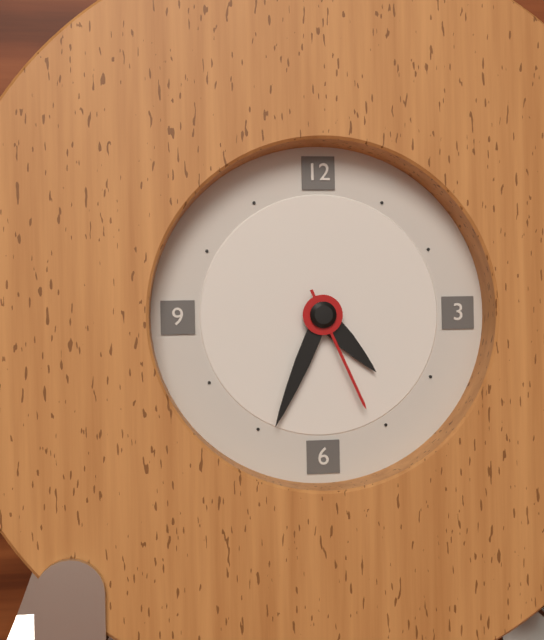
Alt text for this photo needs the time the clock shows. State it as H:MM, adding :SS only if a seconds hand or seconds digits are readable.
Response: 4:34:26
